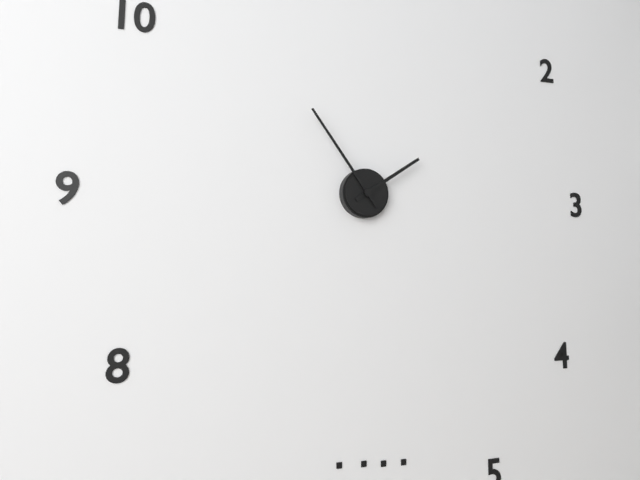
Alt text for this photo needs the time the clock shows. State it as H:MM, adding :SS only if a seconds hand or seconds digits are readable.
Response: 1:54
